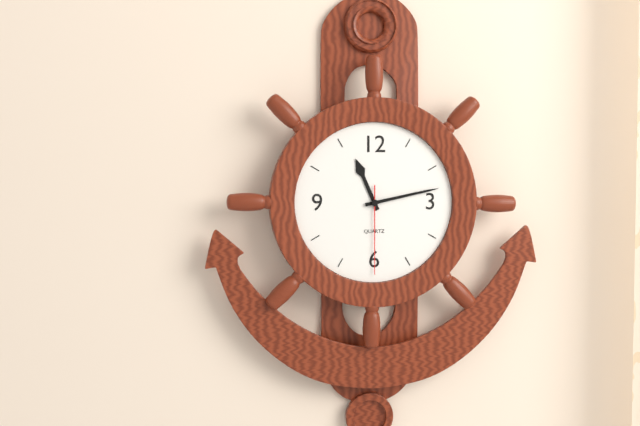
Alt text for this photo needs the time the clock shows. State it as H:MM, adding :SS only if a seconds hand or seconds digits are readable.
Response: 11:13:30
